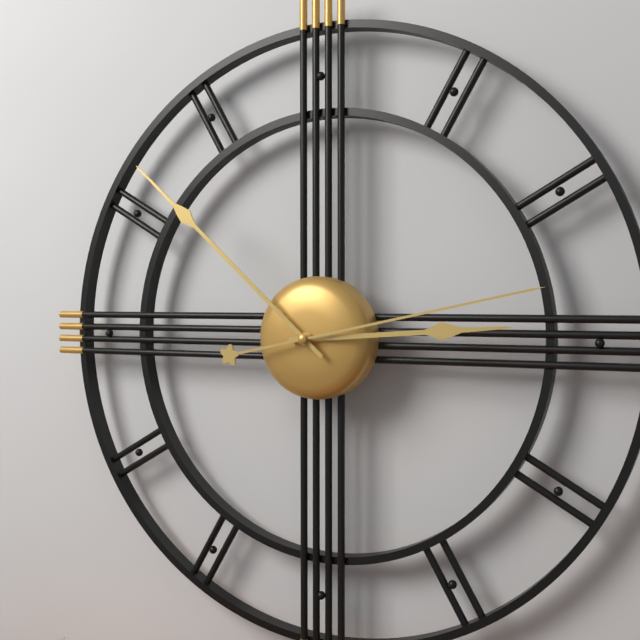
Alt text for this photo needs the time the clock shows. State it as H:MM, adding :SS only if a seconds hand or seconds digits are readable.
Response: 2:52:13
